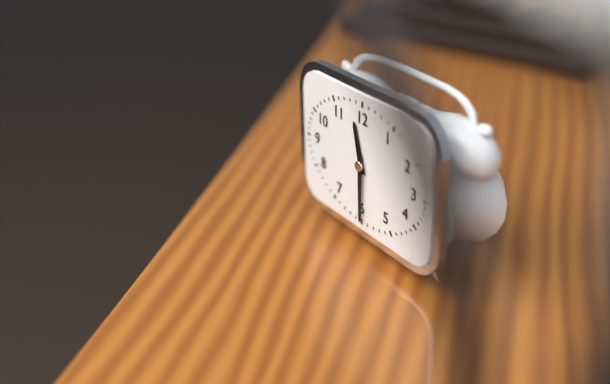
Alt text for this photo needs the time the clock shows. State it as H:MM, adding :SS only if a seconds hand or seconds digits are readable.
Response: 11:30
